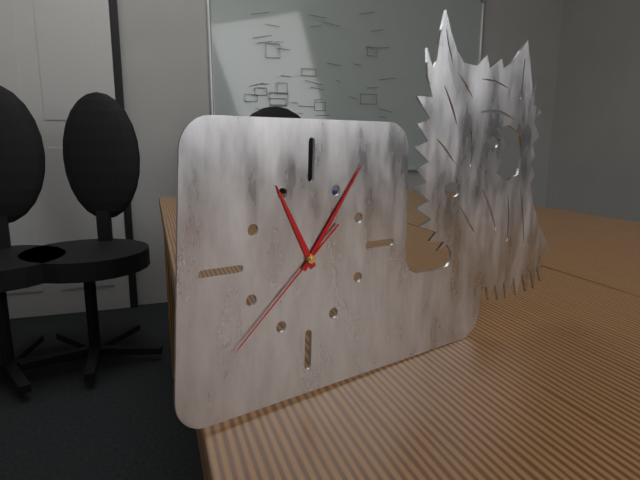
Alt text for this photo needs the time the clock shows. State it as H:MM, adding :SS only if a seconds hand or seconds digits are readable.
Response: 11:06:38
